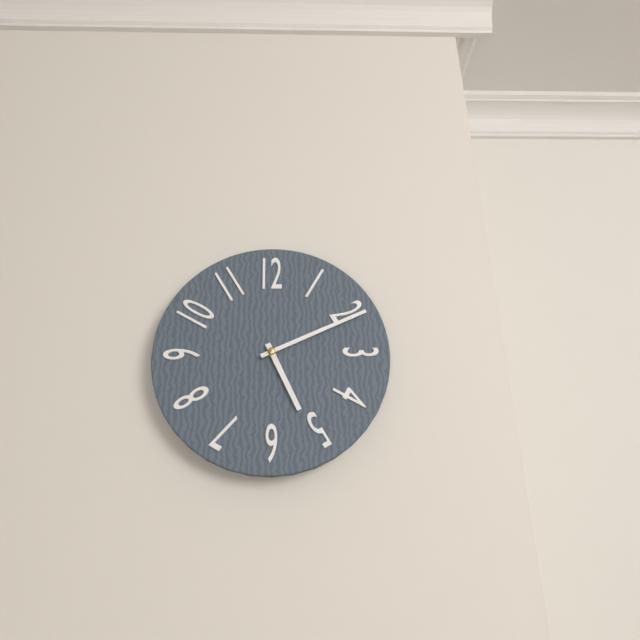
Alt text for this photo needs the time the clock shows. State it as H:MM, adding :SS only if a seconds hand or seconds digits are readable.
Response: 5:11
